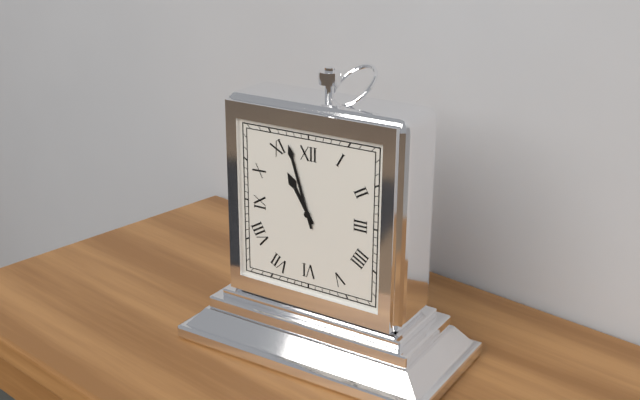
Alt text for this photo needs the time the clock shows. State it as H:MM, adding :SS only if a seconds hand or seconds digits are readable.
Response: 10:57
